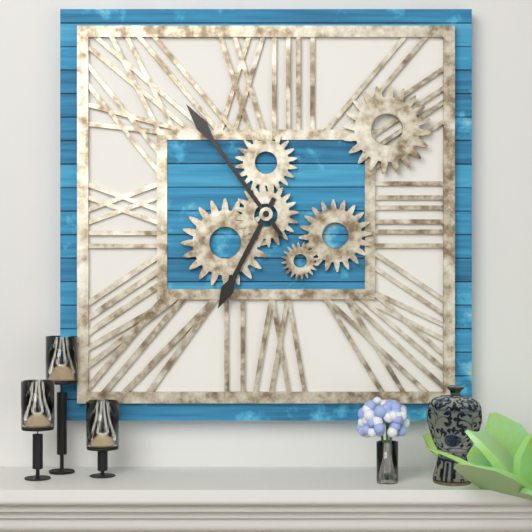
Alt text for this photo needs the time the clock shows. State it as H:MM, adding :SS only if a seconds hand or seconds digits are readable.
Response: 6:54
